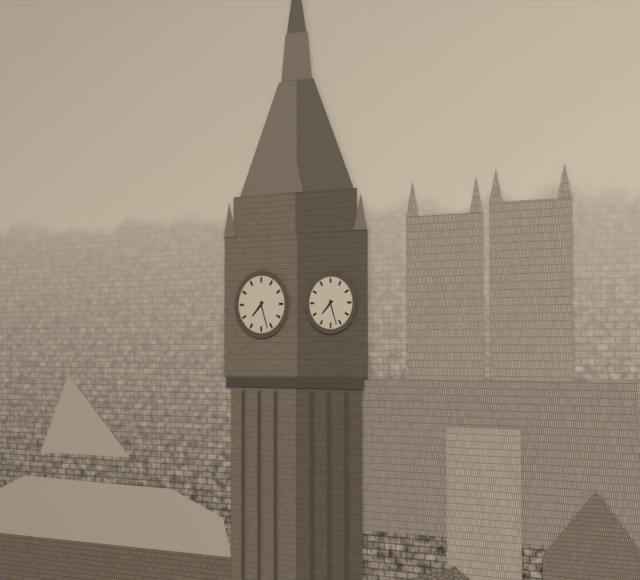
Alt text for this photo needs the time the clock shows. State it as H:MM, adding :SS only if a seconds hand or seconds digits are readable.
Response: 7:27
